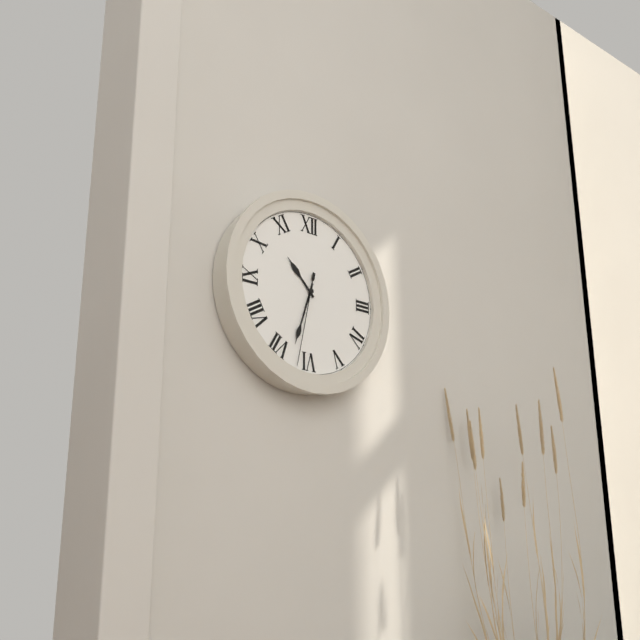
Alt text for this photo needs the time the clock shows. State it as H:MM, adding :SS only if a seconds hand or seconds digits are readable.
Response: 10:33:32
